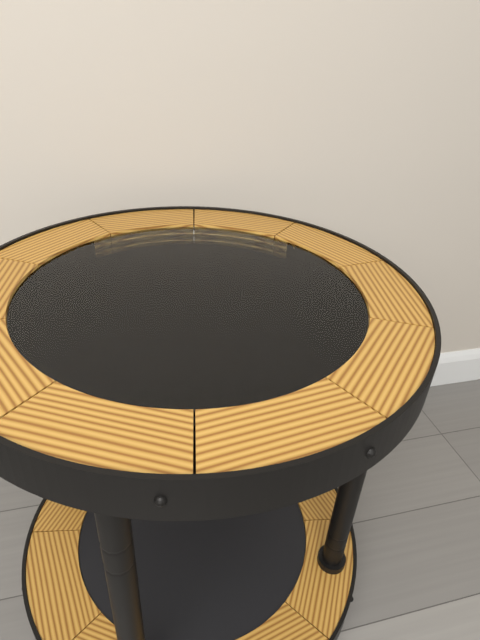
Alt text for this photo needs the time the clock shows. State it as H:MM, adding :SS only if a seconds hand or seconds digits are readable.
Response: 12:39
